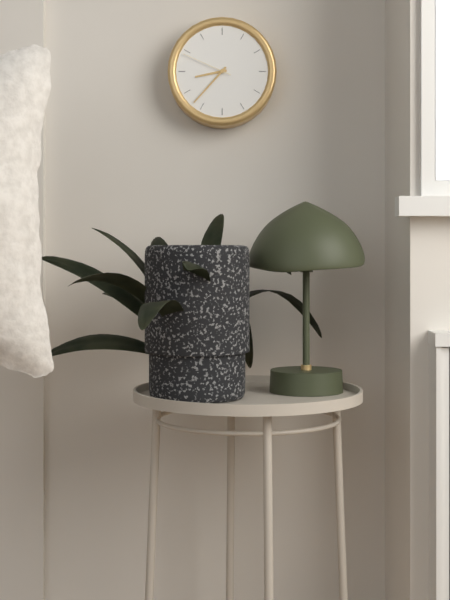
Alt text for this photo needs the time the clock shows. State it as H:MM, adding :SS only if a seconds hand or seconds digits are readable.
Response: 8:37:49
